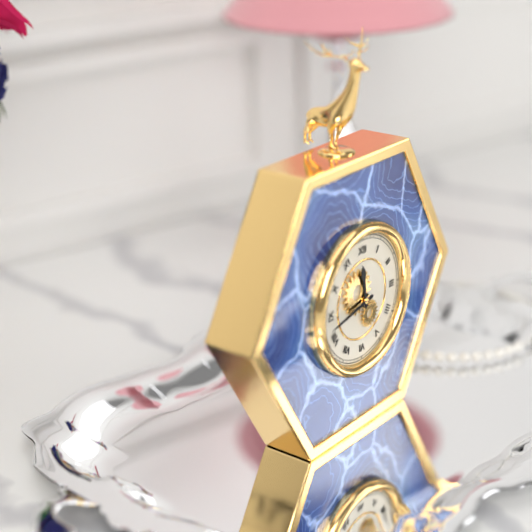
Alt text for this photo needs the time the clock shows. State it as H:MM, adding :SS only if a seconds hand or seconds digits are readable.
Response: 11:43
